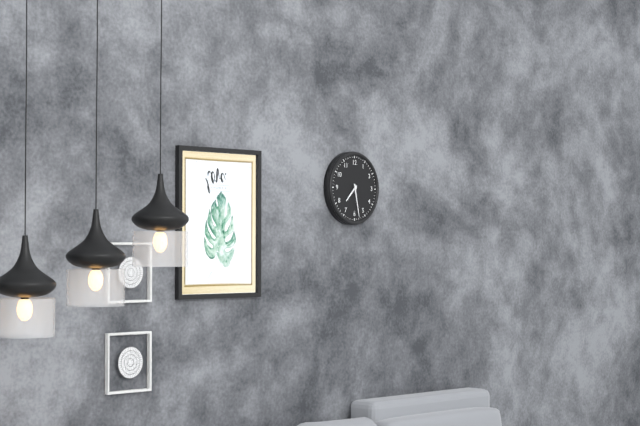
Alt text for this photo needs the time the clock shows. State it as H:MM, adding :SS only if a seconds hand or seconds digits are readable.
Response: 7:28
